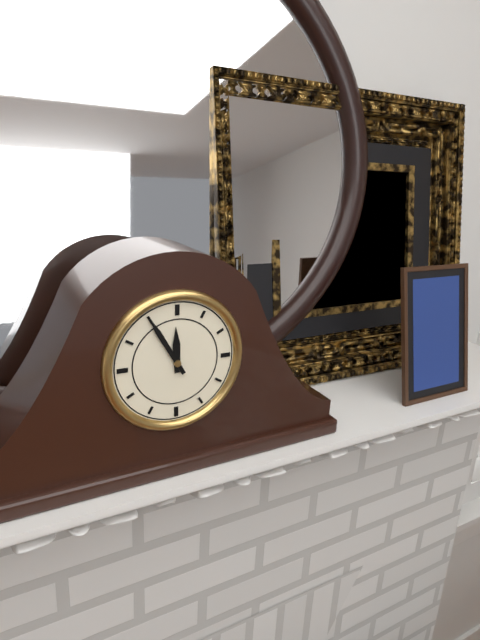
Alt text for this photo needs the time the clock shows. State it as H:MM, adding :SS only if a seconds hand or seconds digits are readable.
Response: 11:55
